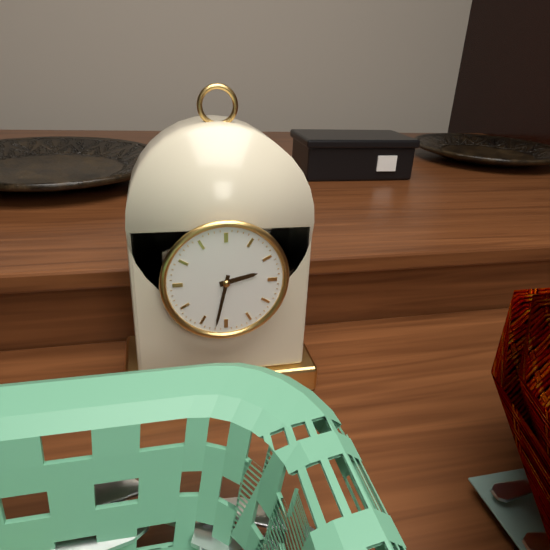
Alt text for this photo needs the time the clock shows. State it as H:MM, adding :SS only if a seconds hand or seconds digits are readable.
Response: 2:32
